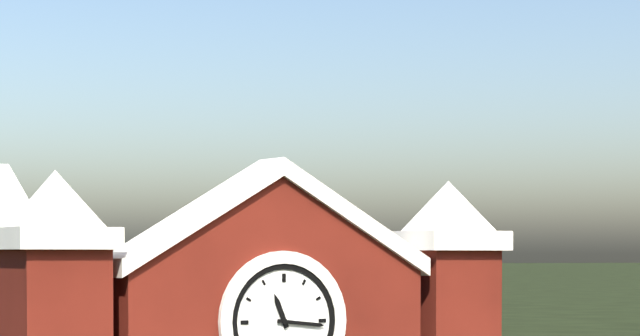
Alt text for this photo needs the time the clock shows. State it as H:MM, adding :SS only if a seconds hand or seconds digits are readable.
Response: 11:16
